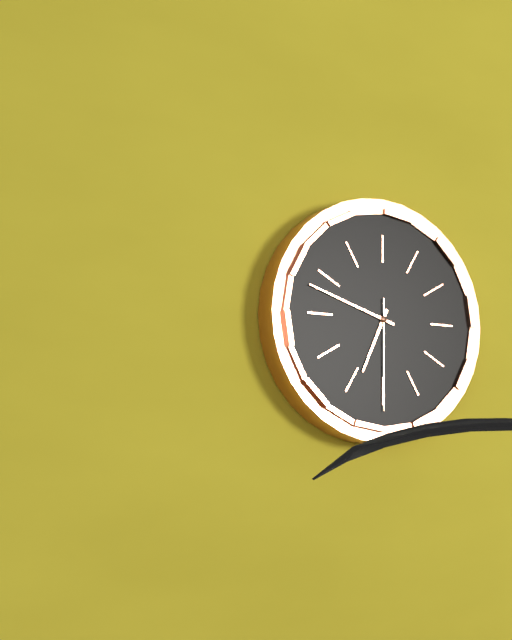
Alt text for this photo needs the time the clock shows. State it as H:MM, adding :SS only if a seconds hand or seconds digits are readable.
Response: 6:48:30
